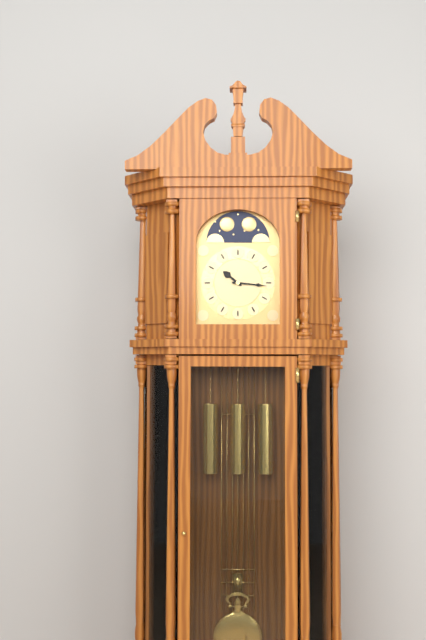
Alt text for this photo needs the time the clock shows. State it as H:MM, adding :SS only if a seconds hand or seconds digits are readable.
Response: 10:16
